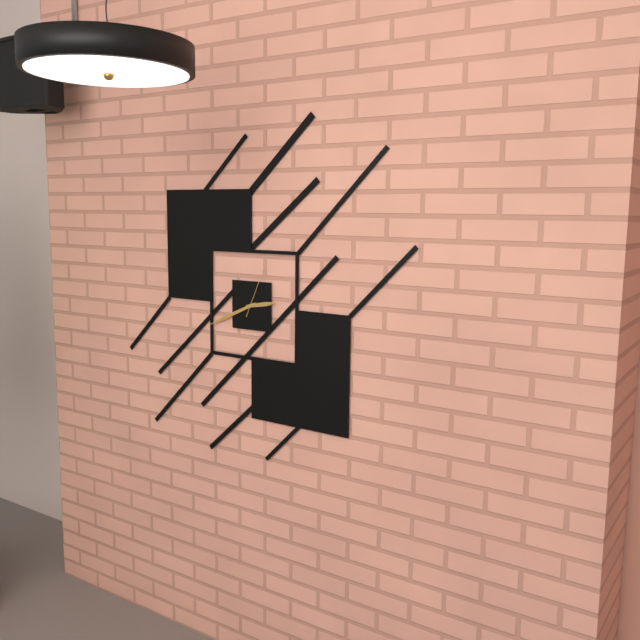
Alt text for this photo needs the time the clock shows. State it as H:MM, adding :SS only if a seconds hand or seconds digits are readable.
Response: 2:41:04
